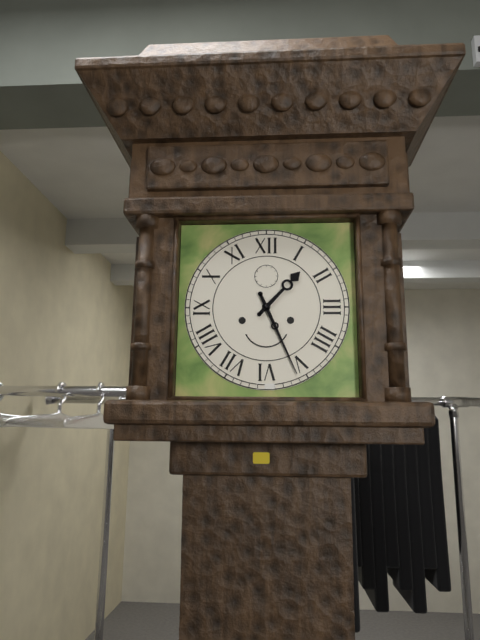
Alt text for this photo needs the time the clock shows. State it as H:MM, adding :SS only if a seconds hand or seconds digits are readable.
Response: 1:26
